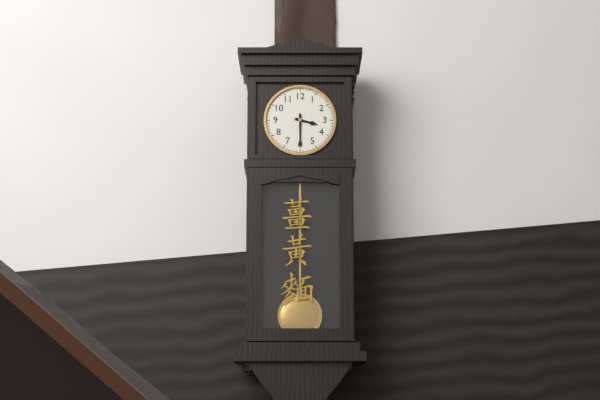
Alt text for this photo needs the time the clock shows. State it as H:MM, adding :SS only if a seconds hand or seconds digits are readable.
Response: 3:30
